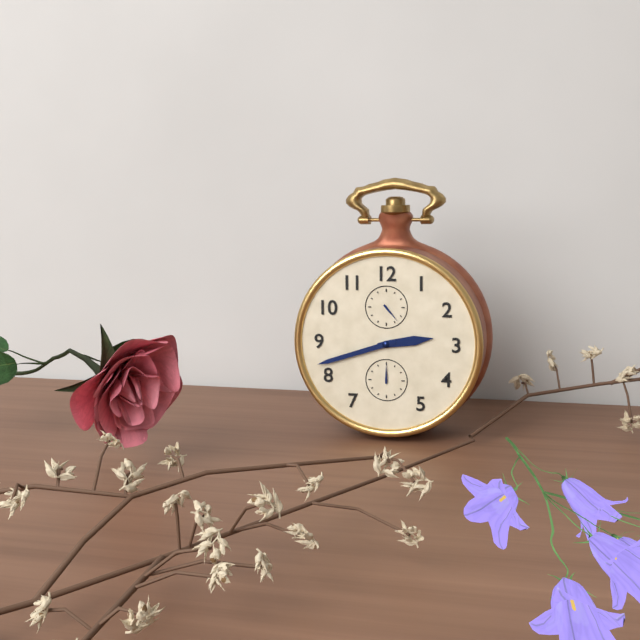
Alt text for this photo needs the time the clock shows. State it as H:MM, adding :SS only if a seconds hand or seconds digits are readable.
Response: 2:42
